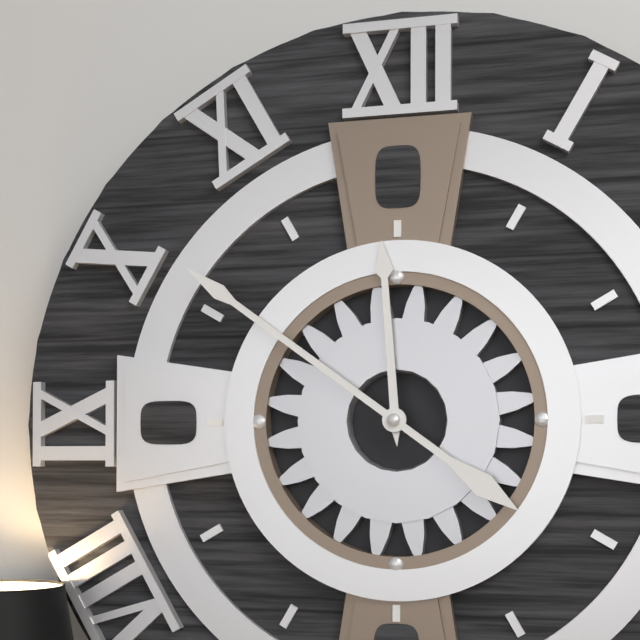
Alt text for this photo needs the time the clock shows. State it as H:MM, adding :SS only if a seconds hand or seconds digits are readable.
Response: 11:51
